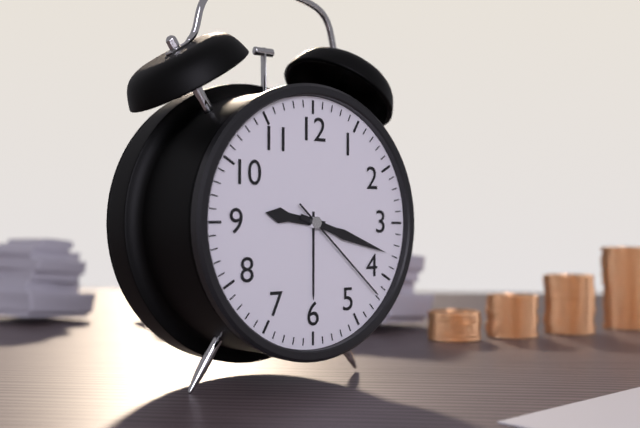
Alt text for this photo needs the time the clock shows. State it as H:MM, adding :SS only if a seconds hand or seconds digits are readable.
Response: 9:18:22
